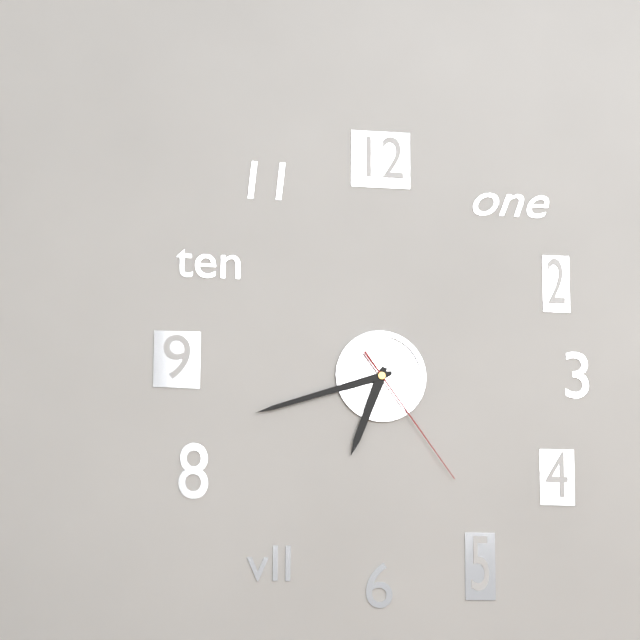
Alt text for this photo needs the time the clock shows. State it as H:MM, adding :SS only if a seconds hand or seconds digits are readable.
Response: 6:42:24
